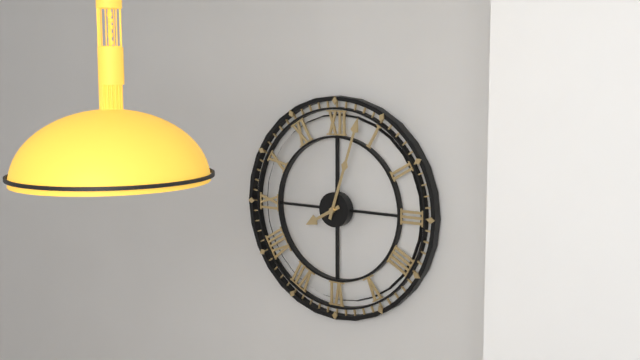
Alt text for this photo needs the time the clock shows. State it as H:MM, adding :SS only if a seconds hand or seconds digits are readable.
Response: 8:03
